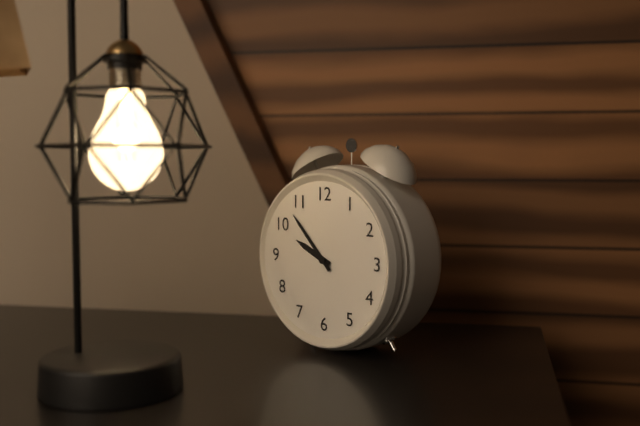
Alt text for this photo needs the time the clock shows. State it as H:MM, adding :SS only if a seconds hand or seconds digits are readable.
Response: 9:53
